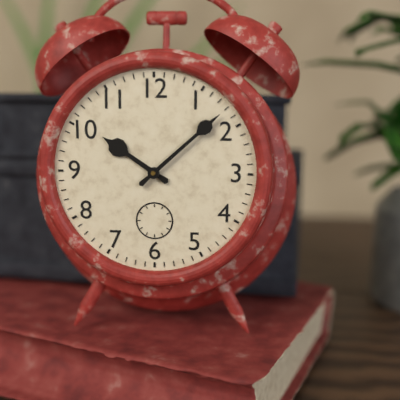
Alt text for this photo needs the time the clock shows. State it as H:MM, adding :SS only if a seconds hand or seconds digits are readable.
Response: 10:08
